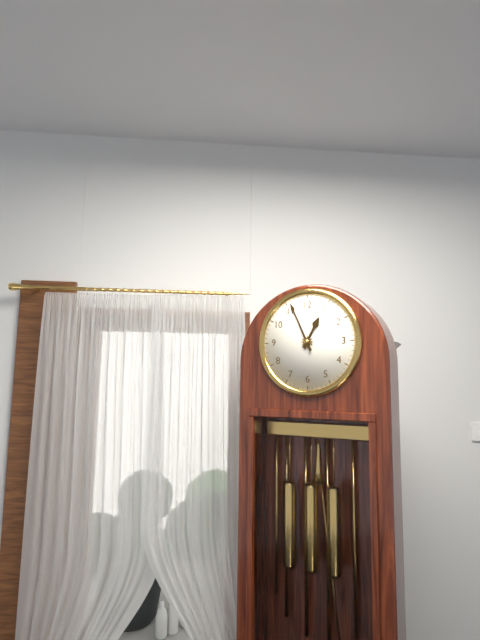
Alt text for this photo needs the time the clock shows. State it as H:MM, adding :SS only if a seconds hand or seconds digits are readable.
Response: 12:56
